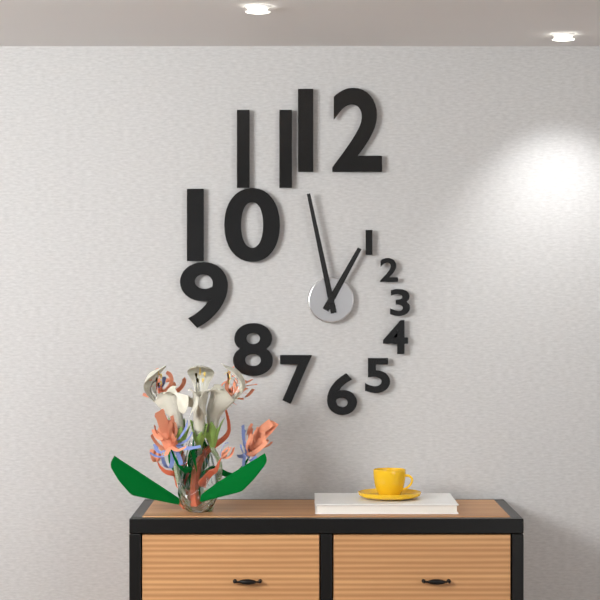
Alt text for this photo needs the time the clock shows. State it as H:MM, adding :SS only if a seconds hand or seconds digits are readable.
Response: 12:58
